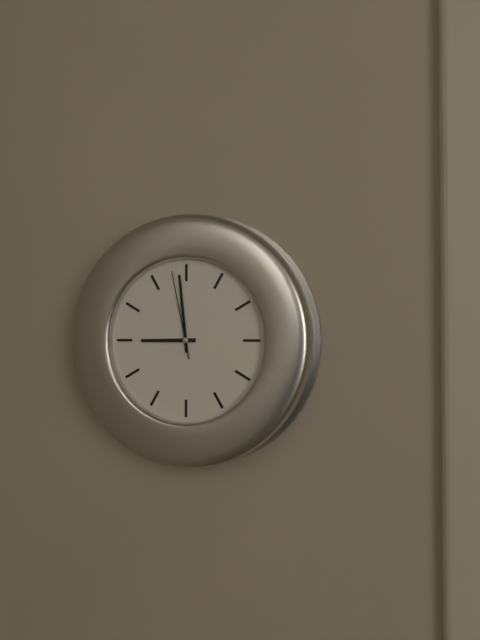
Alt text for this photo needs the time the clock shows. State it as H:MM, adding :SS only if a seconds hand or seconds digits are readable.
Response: 8:59:58
